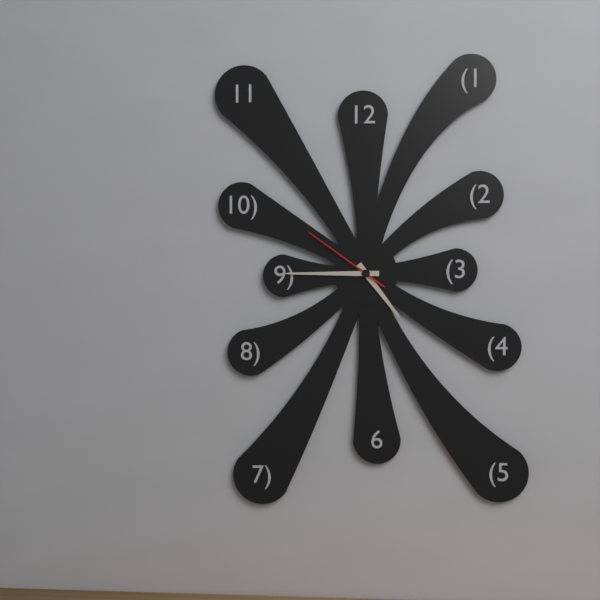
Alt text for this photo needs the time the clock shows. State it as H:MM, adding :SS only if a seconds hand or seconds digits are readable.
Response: 4:45:51
